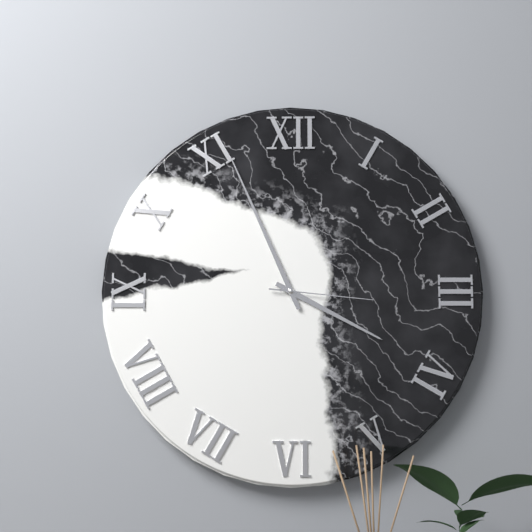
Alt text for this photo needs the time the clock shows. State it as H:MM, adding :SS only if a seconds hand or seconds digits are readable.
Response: 3:56:16
